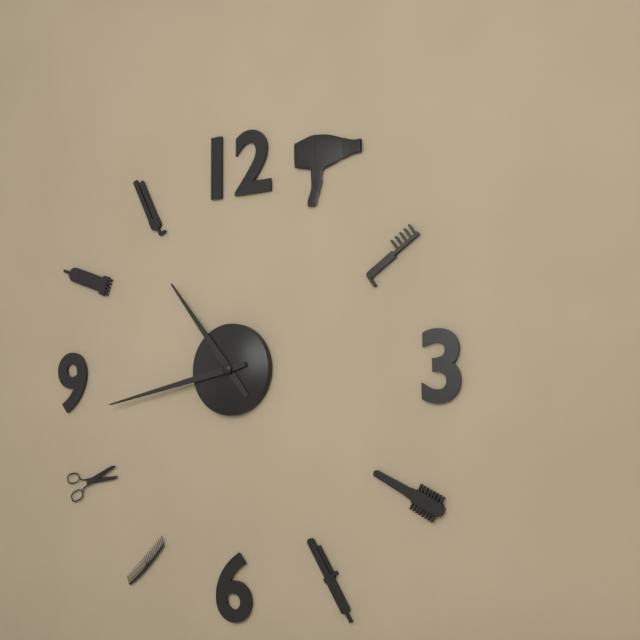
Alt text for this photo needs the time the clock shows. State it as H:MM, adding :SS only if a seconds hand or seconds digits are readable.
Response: 10:43
